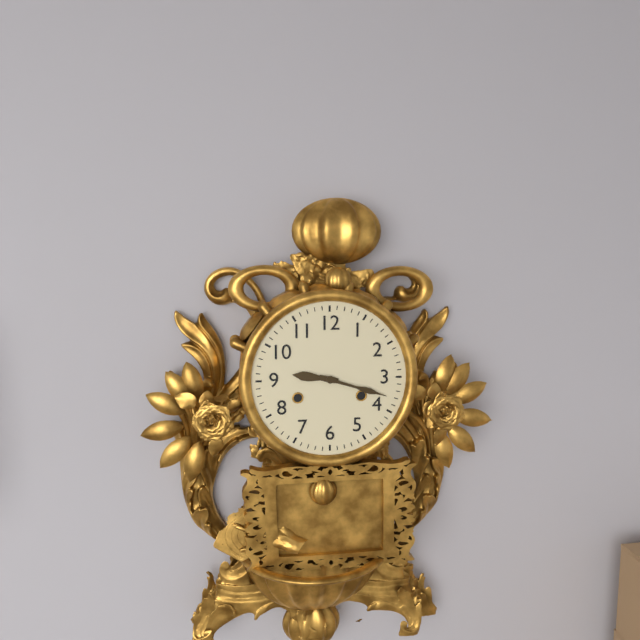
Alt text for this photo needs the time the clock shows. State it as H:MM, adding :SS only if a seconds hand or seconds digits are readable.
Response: 9:18
